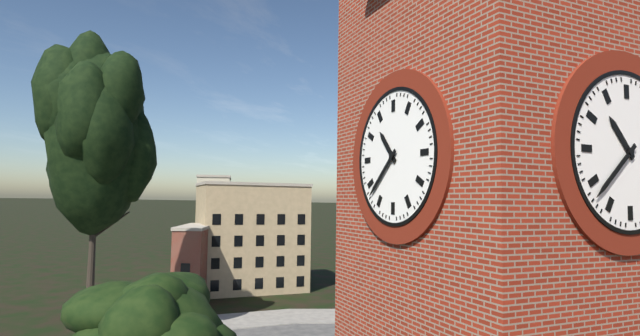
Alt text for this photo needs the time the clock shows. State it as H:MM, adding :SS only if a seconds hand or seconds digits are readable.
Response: 10:38
